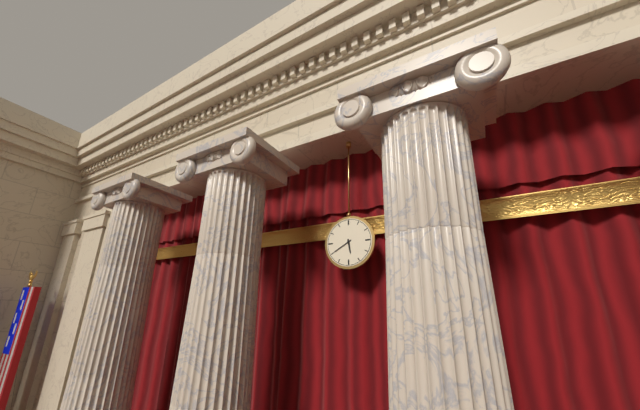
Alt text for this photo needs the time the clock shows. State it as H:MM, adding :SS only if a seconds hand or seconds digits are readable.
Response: 5:40
